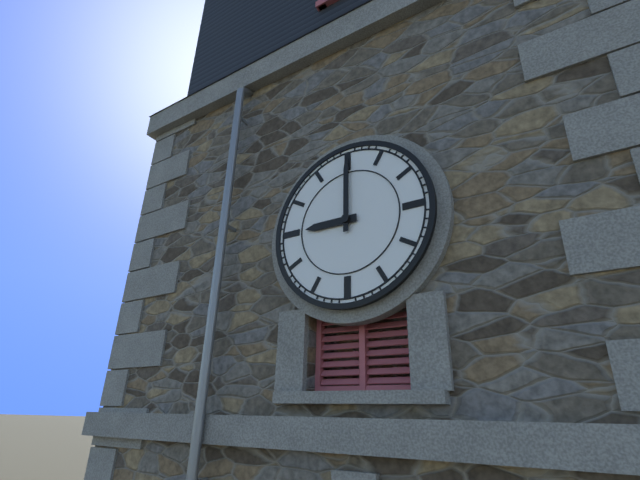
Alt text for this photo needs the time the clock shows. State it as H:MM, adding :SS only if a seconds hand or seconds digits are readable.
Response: 9:00
